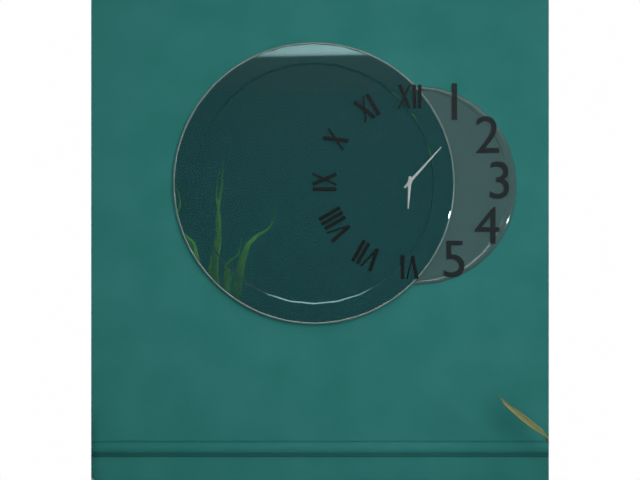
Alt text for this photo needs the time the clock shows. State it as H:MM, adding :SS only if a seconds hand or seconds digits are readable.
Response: 6:07
